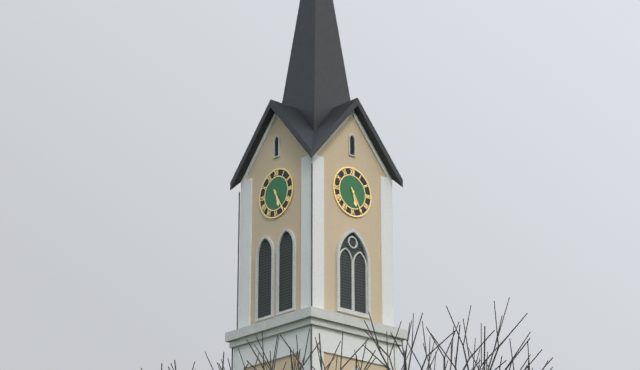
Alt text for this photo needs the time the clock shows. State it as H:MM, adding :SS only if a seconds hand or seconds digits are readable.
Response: 5:25
